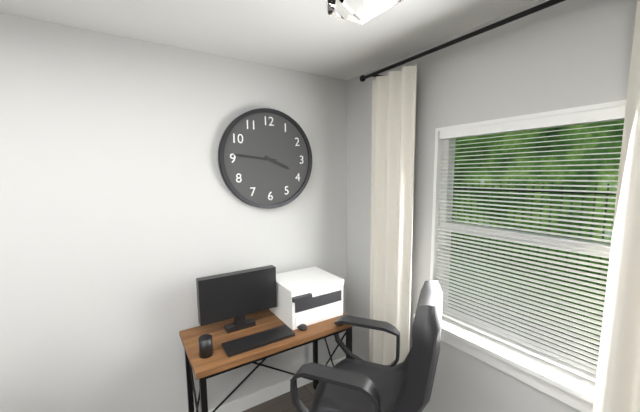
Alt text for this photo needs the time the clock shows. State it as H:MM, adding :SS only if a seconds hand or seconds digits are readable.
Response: 3:46
